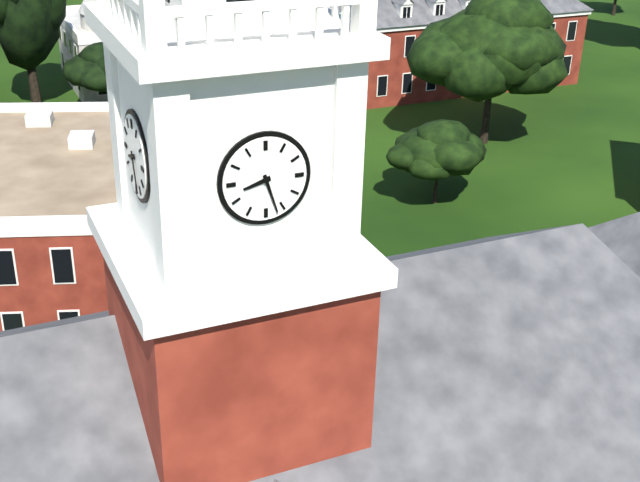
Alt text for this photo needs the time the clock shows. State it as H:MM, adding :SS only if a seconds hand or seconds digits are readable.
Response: 8:27
